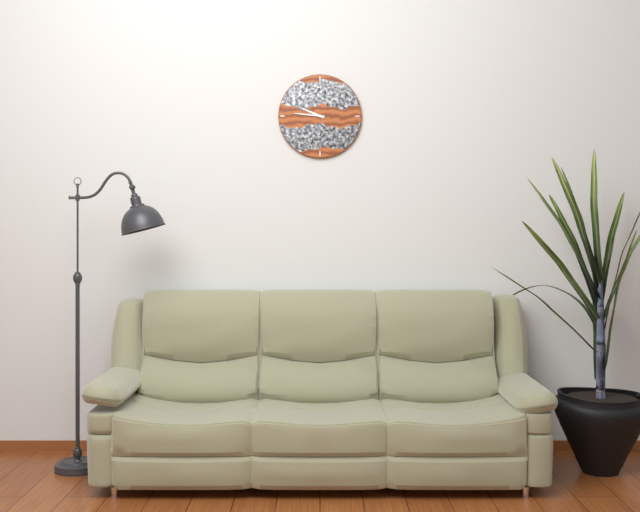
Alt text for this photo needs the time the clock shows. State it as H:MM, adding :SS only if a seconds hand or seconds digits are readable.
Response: 9:46
